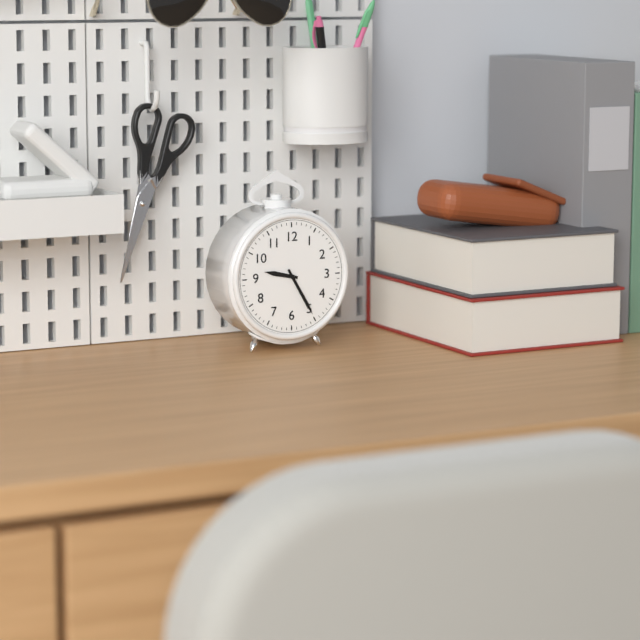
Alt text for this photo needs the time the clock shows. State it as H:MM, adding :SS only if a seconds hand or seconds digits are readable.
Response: 9:25
